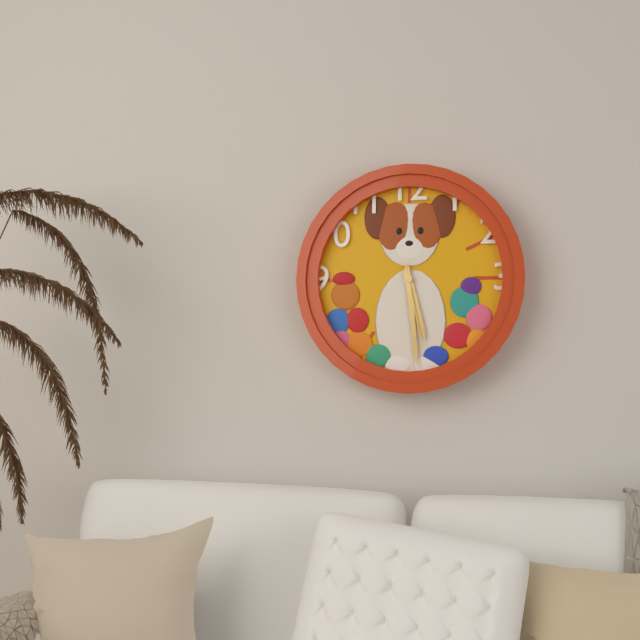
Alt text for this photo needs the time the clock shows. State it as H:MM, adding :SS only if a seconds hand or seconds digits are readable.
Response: 5:29:28
